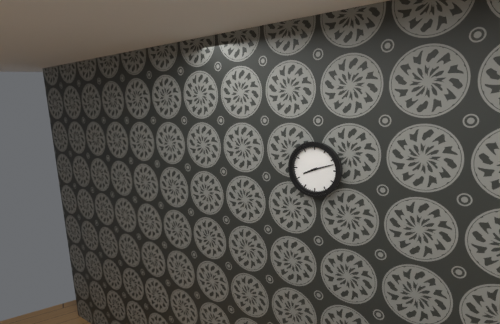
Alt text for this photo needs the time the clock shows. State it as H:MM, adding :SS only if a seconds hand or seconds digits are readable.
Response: 8:12
